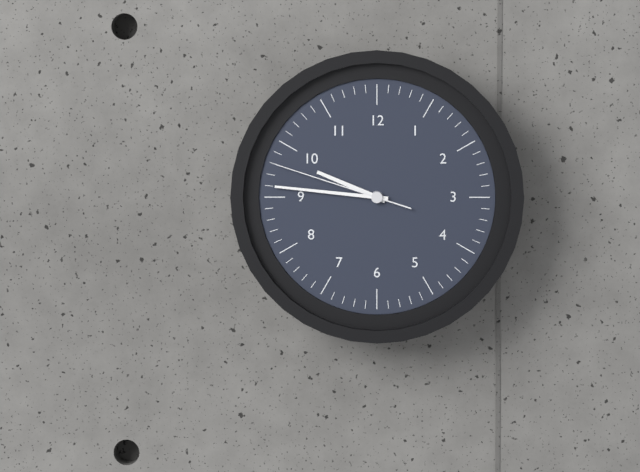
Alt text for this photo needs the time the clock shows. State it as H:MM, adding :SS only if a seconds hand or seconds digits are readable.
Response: 9:46:48
